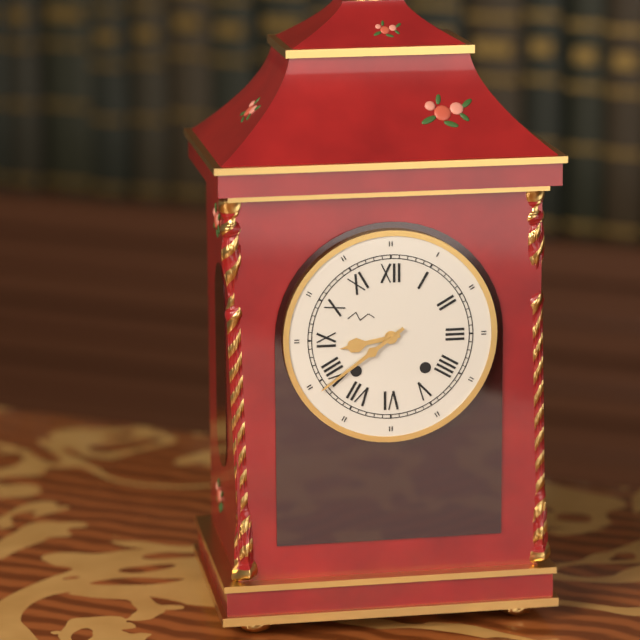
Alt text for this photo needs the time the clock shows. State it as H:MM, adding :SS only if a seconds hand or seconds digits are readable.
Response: 8:39
